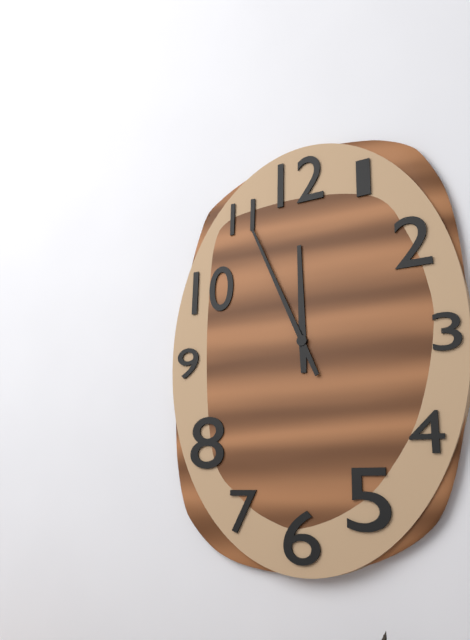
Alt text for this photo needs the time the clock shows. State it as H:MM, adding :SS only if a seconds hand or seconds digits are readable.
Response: 11:56
